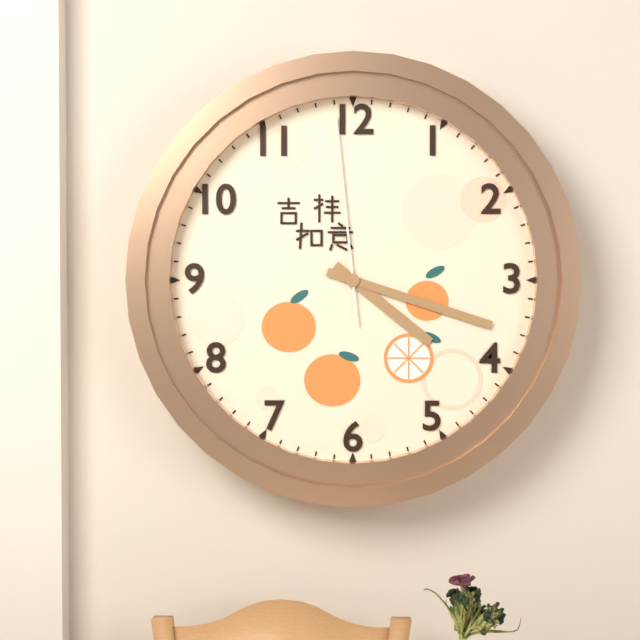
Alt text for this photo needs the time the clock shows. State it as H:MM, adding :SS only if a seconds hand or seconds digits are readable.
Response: 4:18:59
